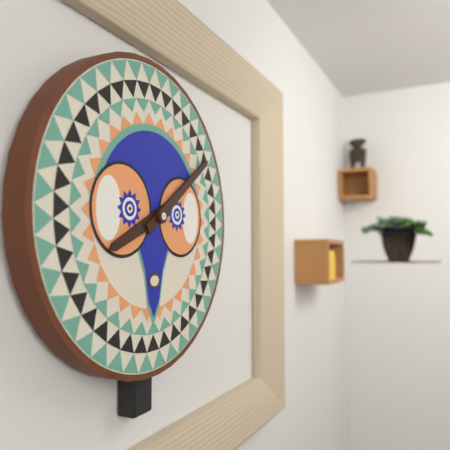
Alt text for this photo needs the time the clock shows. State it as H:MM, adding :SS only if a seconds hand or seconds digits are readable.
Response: 8:09
